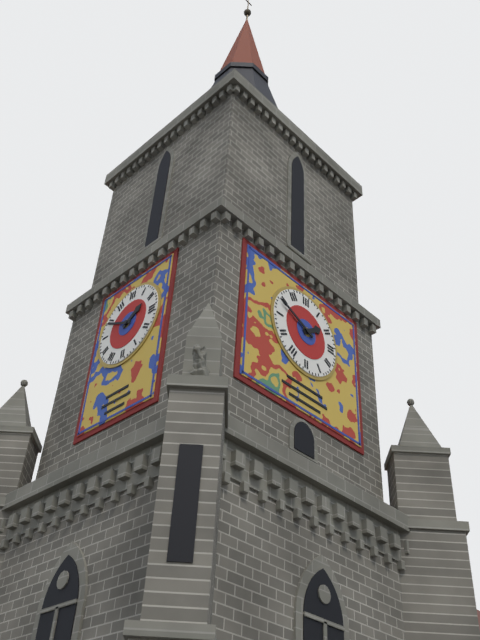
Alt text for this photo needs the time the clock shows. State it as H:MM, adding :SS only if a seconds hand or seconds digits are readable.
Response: 1:49
